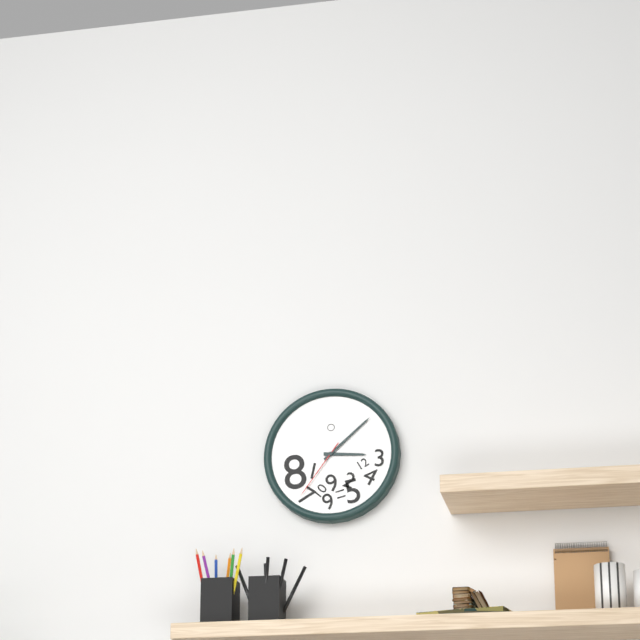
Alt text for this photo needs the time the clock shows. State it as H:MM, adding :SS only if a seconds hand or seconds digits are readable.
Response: 3:08:36
